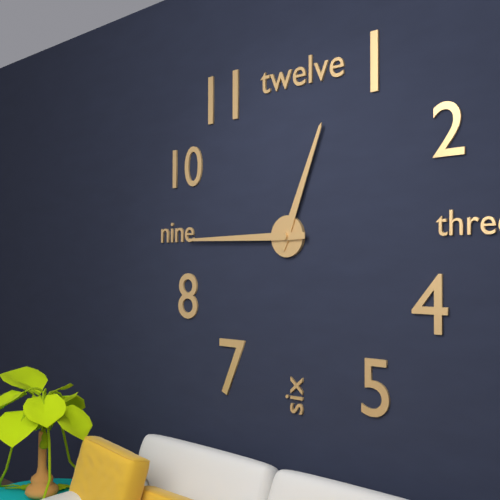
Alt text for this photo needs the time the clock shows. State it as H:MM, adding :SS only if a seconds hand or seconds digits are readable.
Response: 12:45
